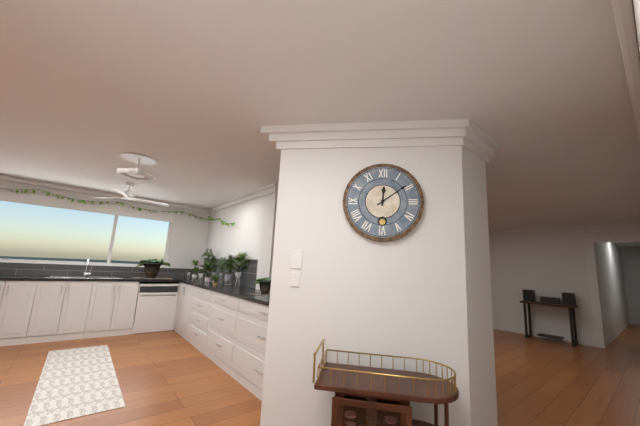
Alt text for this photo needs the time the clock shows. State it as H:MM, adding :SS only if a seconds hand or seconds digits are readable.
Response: 12:09
